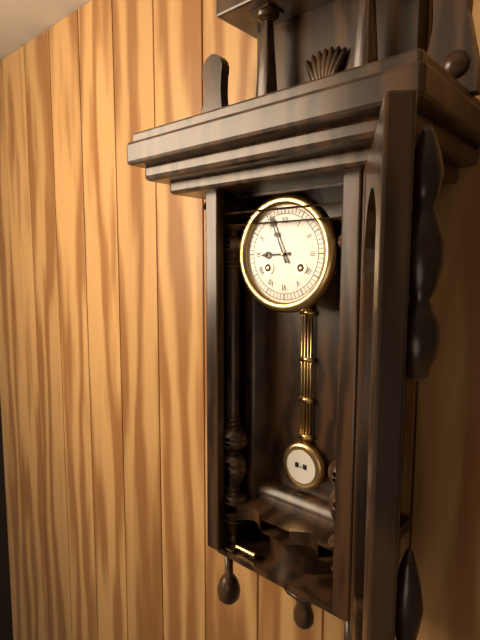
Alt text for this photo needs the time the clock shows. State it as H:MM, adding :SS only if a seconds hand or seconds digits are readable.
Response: 8:56
